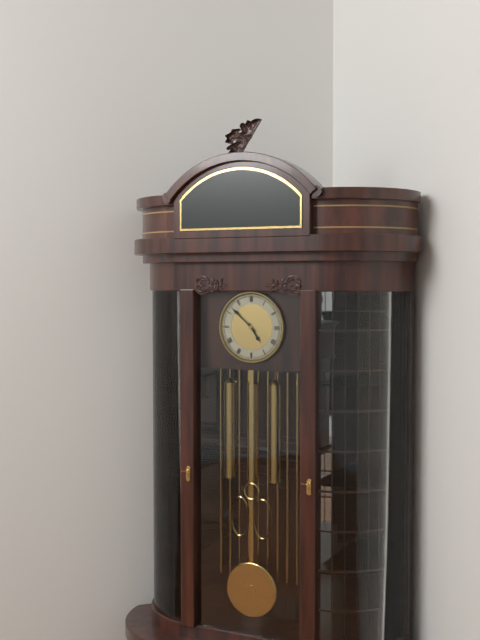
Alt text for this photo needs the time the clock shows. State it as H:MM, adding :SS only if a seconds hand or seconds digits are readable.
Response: 4:52
